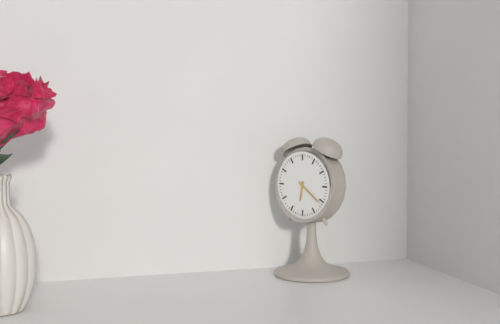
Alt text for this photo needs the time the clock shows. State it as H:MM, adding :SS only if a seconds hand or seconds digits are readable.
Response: 6:21
